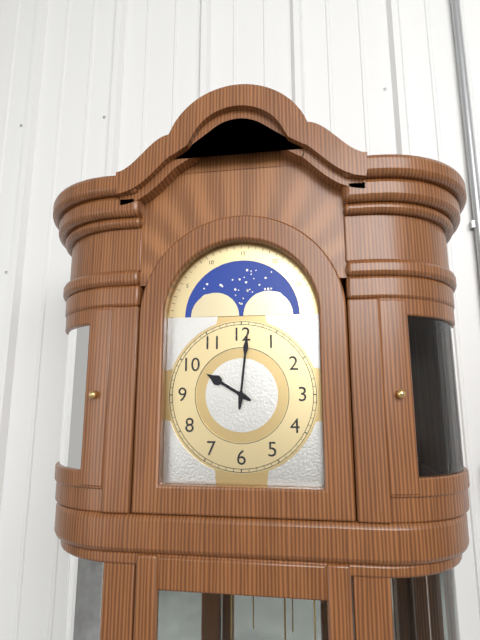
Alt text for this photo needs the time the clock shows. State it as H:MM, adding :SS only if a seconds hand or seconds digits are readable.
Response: 10:01
